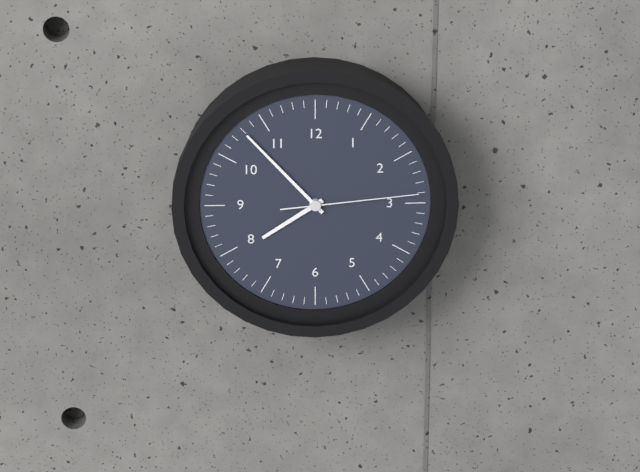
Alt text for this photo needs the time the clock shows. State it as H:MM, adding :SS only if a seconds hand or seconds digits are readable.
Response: 7:53:14
